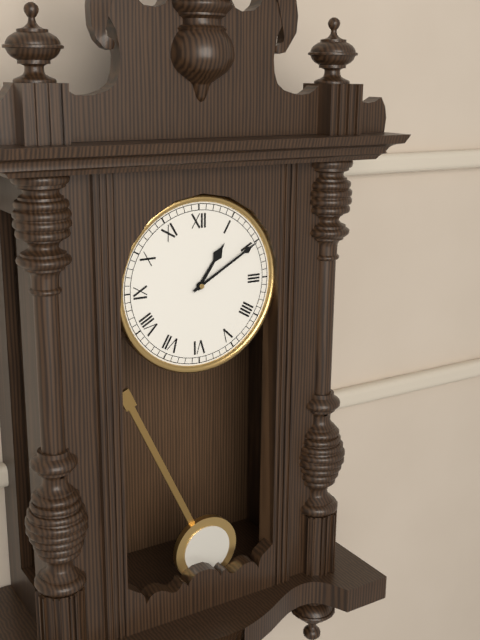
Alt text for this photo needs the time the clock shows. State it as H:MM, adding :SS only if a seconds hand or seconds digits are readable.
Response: 1:10
